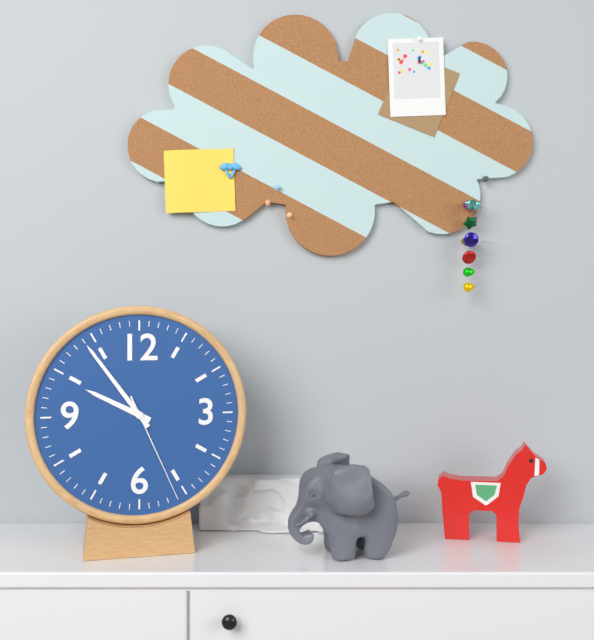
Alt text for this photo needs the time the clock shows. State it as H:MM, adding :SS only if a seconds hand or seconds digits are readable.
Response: 9:54:26
